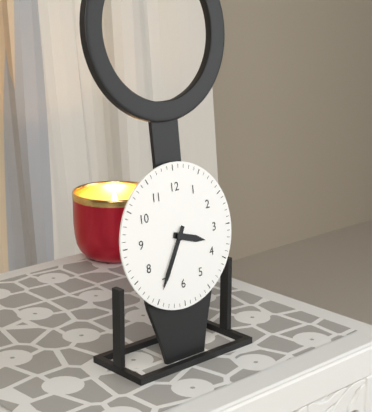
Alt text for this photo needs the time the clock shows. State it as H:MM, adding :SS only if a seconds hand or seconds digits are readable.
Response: 3:35
